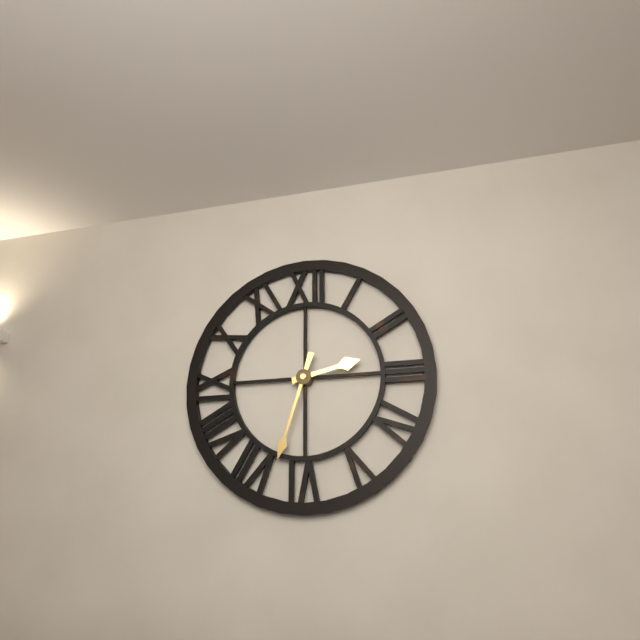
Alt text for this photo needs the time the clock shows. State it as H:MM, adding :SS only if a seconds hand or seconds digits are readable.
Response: 2:33
